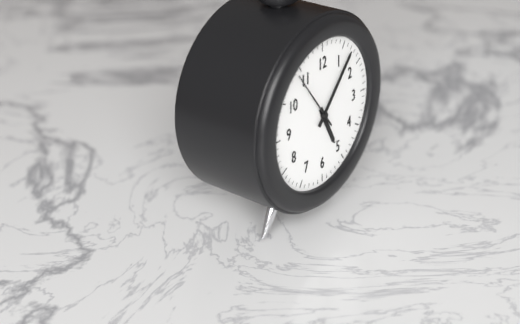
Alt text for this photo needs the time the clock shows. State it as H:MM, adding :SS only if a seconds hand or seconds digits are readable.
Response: 5:07:54
